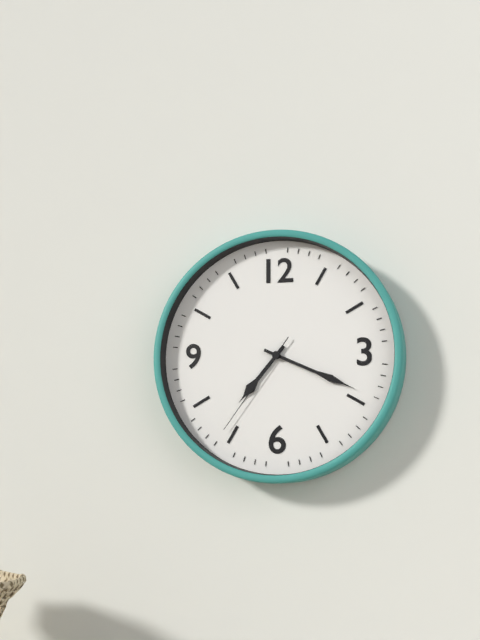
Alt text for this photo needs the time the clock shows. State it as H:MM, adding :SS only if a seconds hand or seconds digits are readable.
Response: 7:19:36
